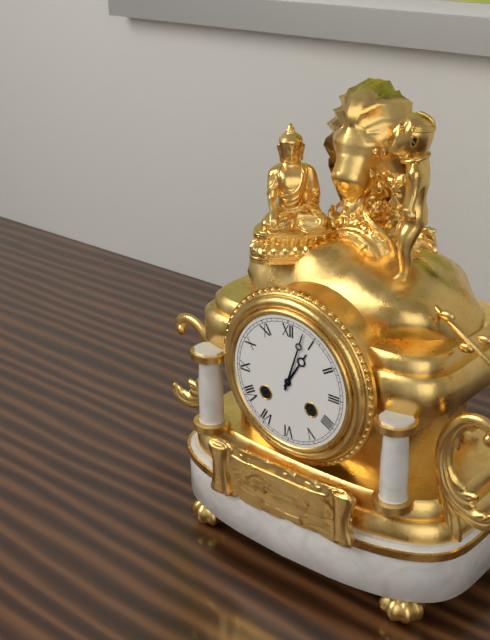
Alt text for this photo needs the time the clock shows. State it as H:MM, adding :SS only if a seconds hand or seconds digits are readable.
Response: 1:03
